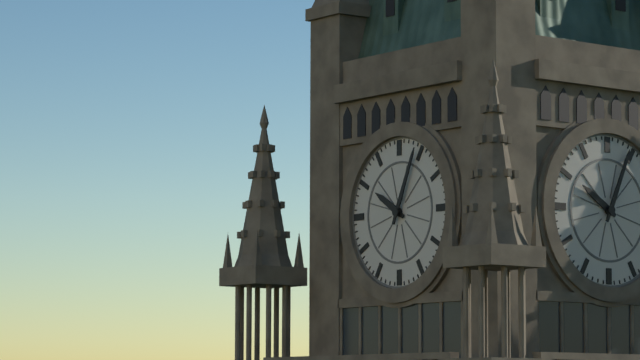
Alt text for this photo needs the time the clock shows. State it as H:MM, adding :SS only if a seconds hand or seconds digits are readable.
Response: 10:04
